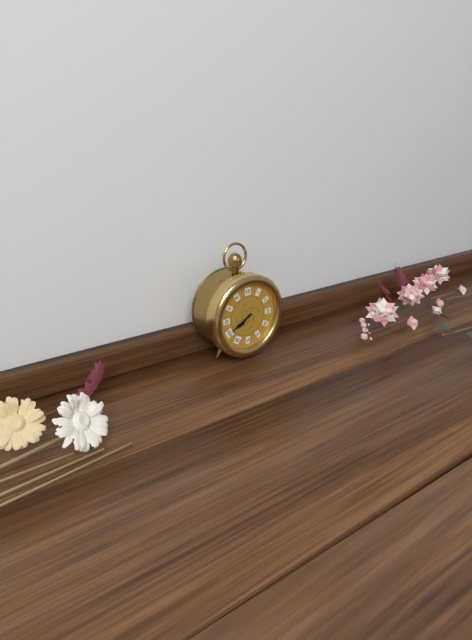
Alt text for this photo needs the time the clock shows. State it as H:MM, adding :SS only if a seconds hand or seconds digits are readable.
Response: 7:40
